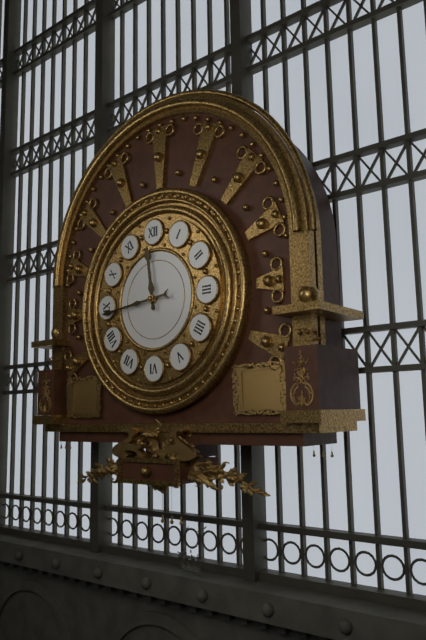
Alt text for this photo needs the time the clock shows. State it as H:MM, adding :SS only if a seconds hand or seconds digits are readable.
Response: 11:44
